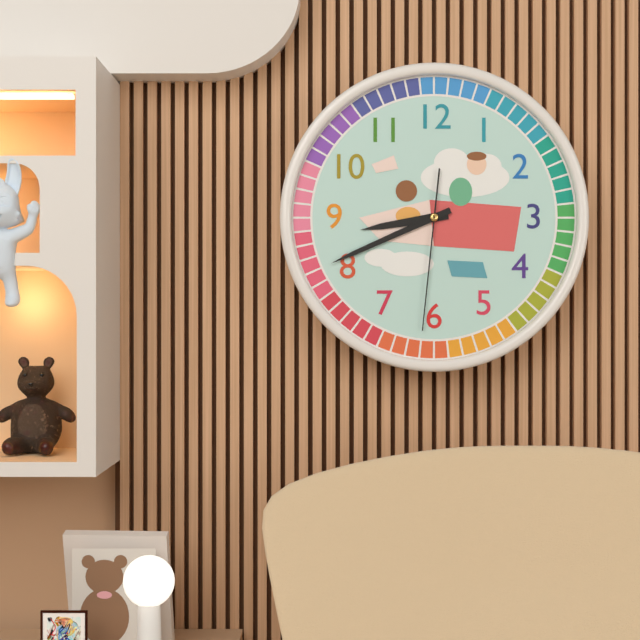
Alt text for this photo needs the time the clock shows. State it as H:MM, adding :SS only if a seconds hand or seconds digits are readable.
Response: 8:41:31
